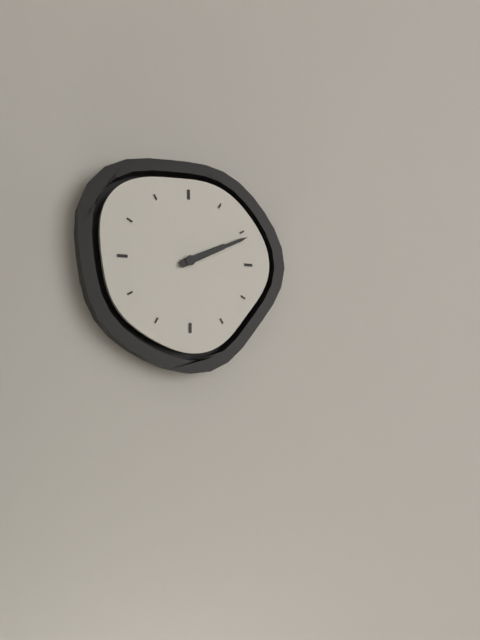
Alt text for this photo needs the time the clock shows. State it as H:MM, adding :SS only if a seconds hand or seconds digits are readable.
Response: 2:11
